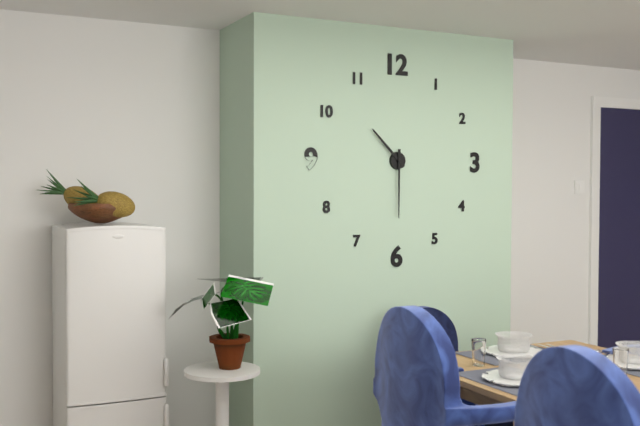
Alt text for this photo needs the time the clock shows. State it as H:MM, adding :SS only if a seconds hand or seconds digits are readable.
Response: 10:30
